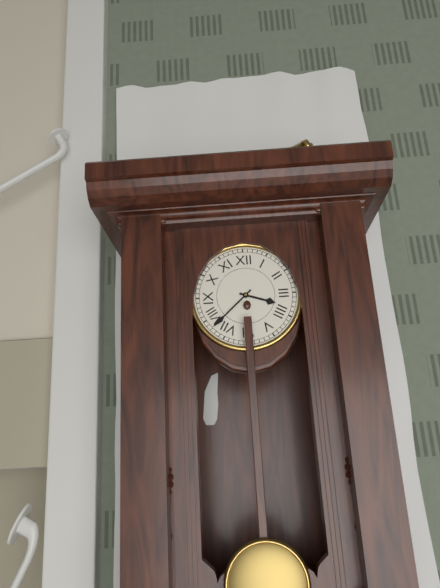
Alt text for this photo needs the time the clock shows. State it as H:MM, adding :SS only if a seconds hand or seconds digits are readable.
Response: 3:38
